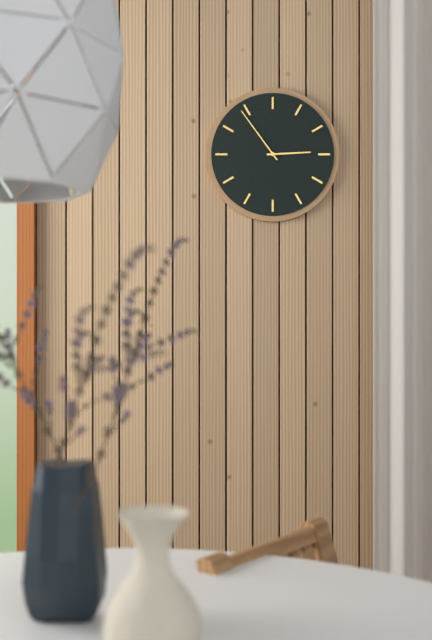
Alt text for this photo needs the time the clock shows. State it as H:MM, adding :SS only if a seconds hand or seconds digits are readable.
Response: 2:54
